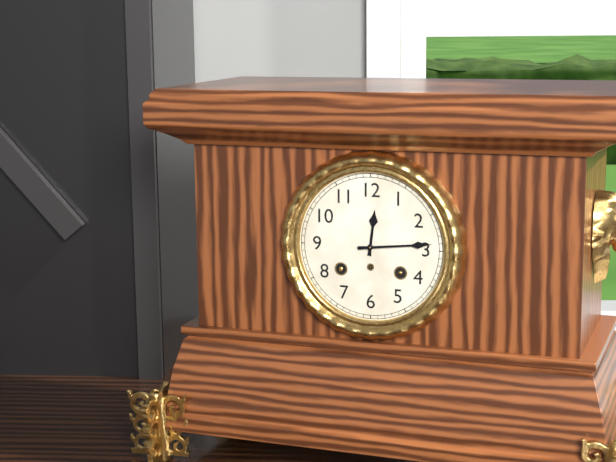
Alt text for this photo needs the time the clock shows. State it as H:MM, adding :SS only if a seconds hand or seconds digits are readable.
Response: 12:14
